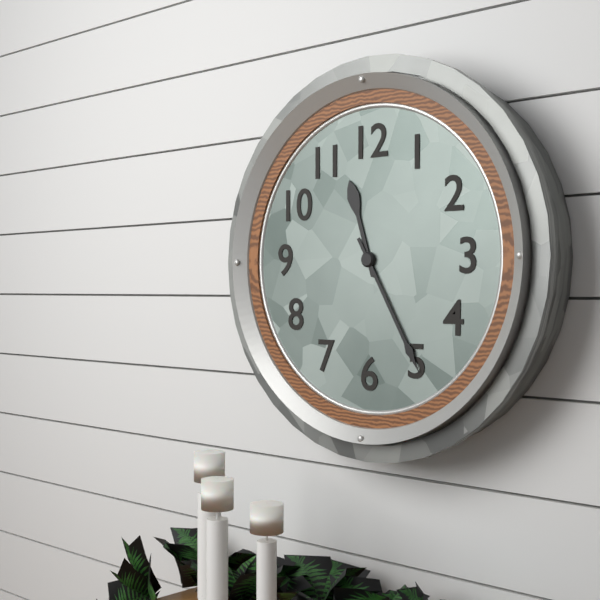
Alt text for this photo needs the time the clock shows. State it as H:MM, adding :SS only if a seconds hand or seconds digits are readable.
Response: 11:25
